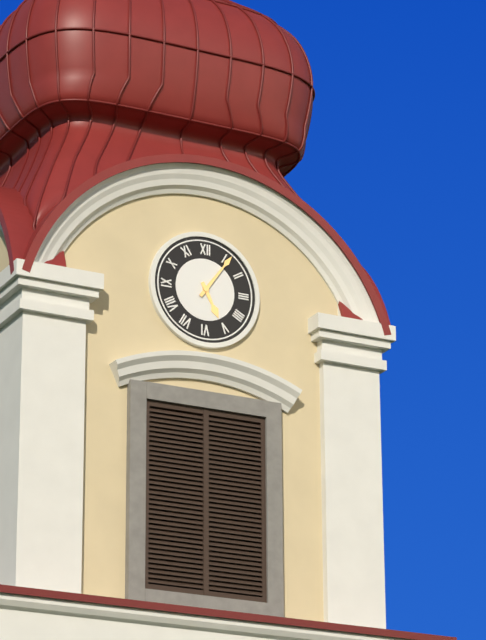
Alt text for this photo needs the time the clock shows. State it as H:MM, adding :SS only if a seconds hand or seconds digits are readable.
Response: 5:06
